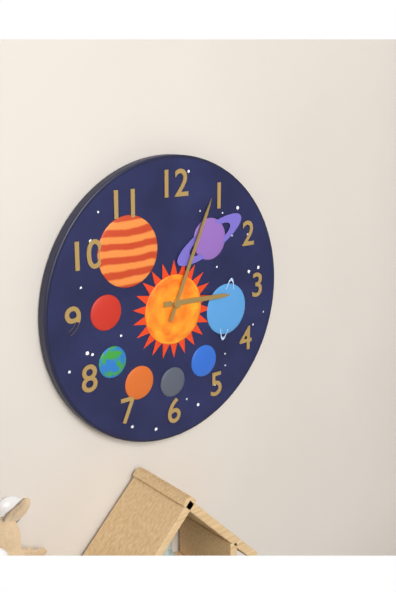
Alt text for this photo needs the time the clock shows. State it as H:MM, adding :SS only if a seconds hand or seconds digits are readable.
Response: 3:04
